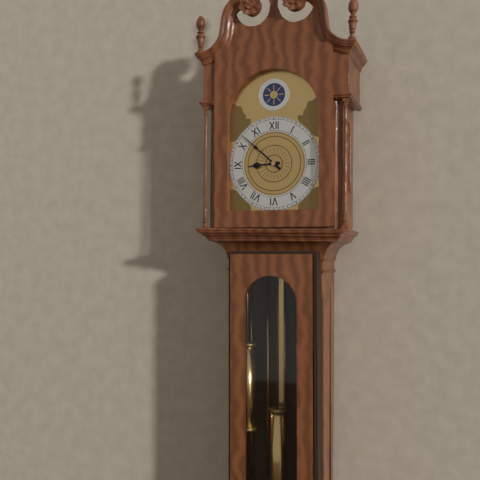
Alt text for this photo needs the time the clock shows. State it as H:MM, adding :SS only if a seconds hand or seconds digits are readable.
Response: 8:52
